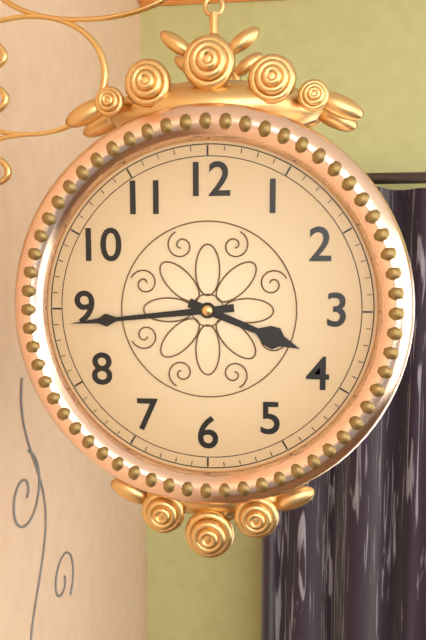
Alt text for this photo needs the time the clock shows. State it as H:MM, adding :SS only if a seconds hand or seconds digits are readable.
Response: 3:44
